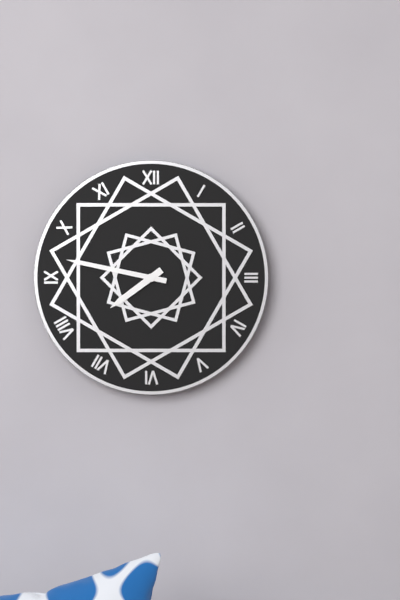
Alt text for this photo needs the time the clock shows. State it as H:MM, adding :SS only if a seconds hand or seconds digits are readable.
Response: 7:47
